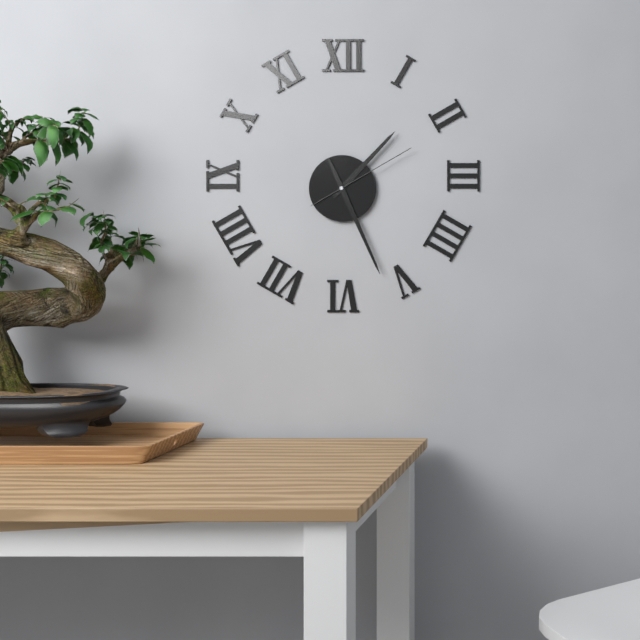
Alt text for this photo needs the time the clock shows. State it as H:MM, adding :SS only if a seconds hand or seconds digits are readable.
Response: 1:26:10
